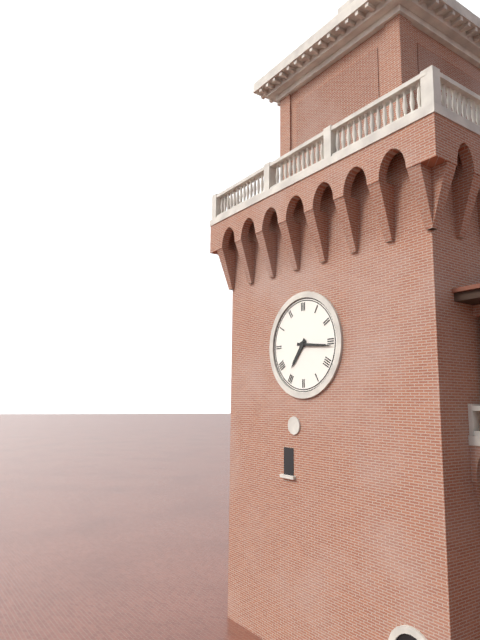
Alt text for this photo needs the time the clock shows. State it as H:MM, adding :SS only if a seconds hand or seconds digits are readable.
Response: 7:16
